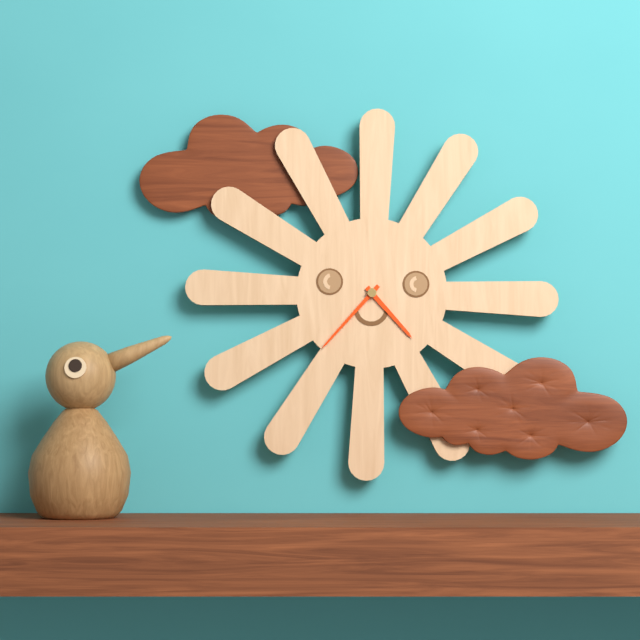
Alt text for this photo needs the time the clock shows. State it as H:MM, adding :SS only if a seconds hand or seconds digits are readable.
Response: 4:37
